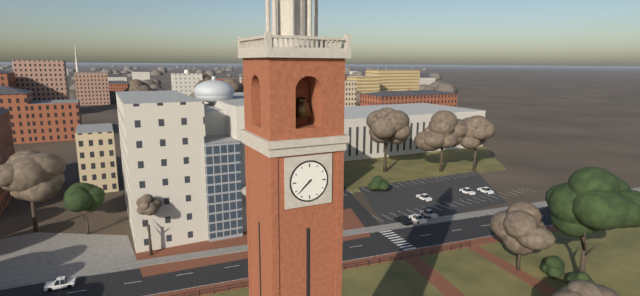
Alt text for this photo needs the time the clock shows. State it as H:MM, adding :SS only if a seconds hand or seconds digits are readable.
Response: 7:38
